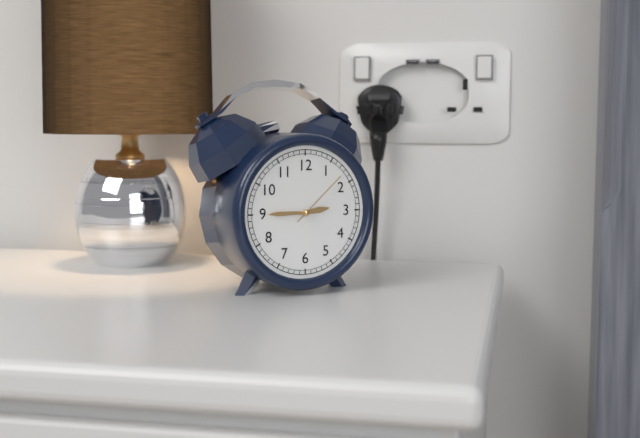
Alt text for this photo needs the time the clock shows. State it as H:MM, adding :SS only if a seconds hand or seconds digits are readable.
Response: 2:45:08
